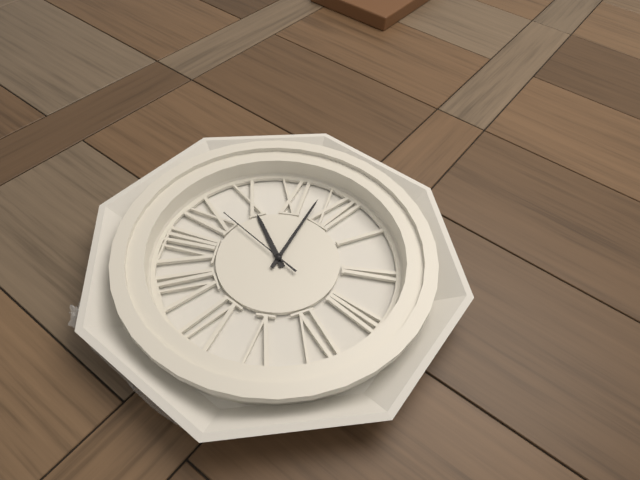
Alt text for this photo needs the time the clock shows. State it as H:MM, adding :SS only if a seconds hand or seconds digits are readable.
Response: 9:58:46
